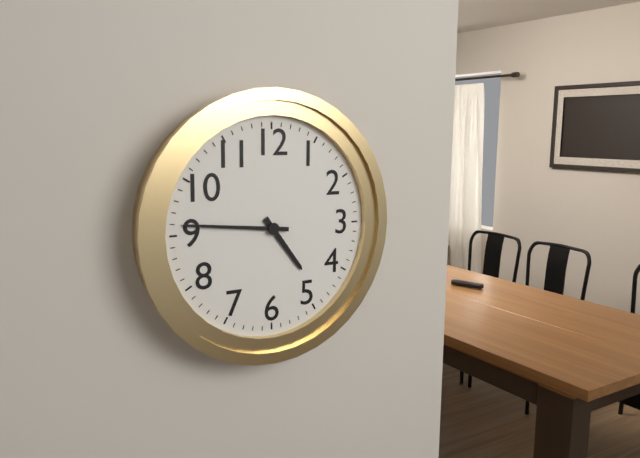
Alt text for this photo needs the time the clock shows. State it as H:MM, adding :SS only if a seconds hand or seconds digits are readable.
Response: 4:46
